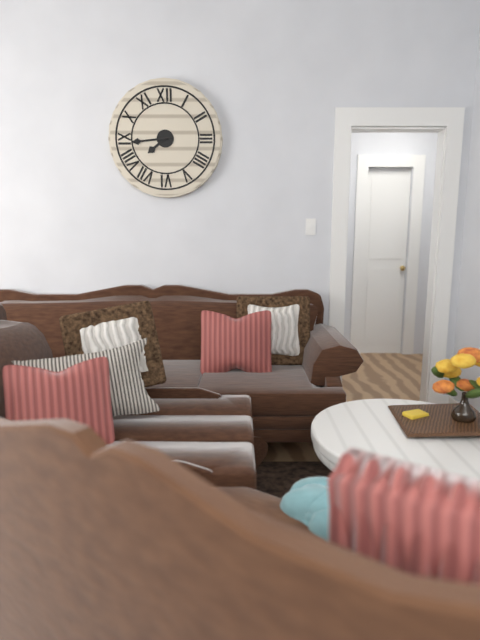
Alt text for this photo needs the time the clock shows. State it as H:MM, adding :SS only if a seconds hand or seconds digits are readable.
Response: 7:44
